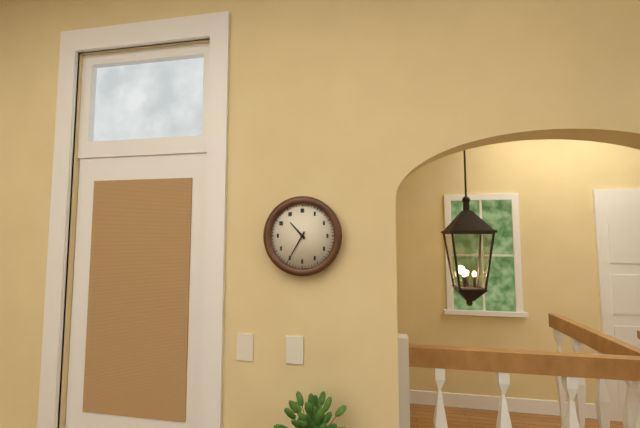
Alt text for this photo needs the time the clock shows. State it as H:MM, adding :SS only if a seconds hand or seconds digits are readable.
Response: 10:35
